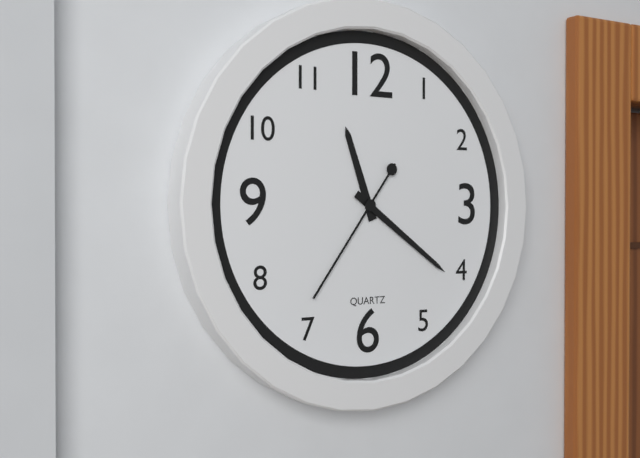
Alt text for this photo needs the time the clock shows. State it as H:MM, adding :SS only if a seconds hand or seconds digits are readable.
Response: 11:21:36
